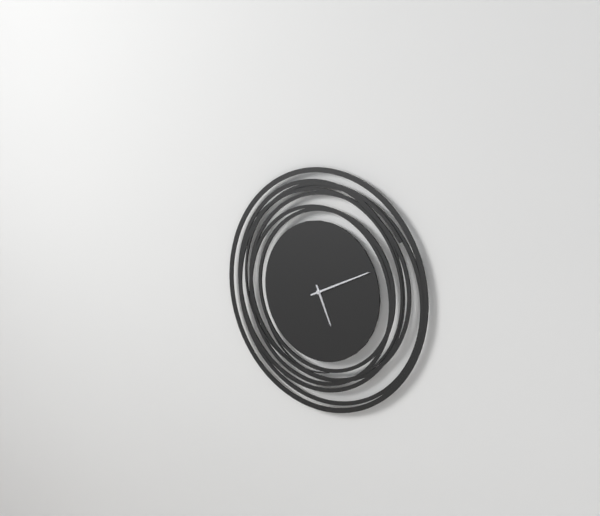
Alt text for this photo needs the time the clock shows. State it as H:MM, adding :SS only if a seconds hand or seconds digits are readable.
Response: 5:11
